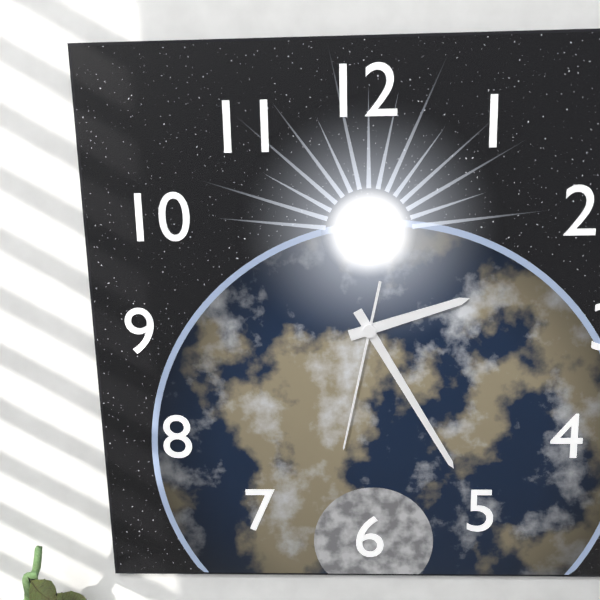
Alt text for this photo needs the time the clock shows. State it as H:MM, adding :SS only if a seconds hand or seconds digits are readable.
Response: 2:25:32
